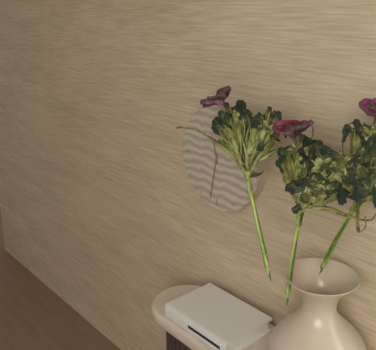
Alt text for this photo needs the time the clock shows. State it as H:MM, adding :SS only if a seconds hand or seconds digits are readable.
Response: 11:32
